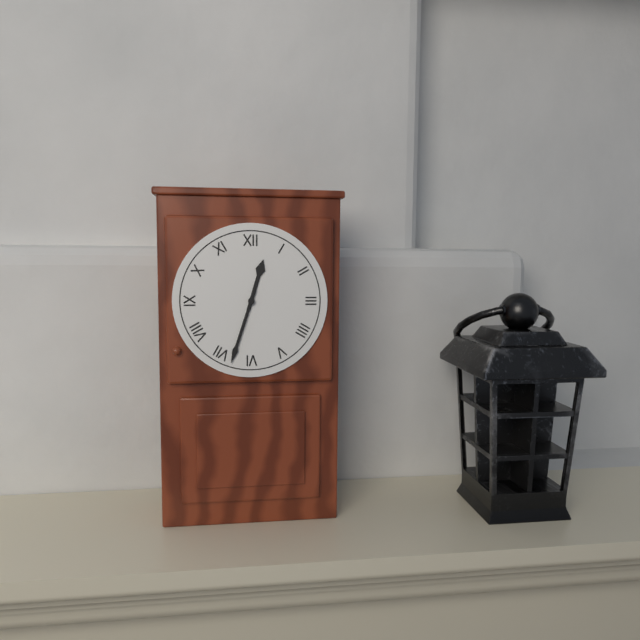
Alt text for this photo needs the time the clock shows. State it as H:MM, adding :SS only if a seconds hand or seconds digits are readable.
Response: 12:33
